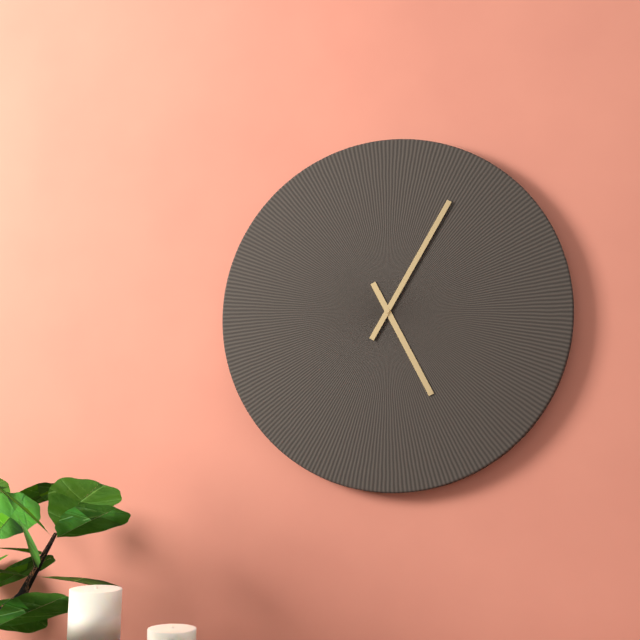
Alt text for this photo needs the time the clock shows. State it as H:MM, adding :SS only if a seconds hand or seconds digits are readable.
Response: 5:05
